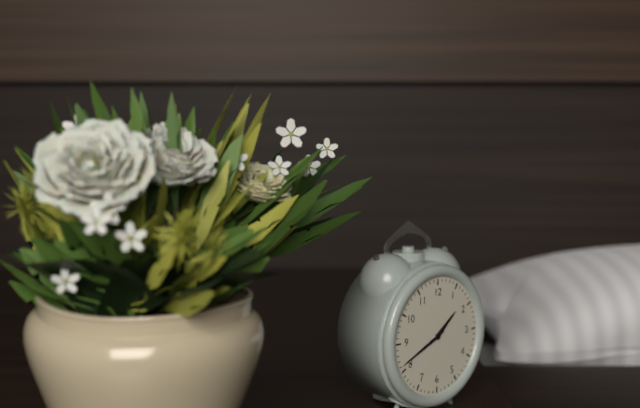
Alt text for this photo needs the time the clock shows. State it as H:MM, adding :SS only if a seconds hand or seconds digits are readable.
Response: 1:41
